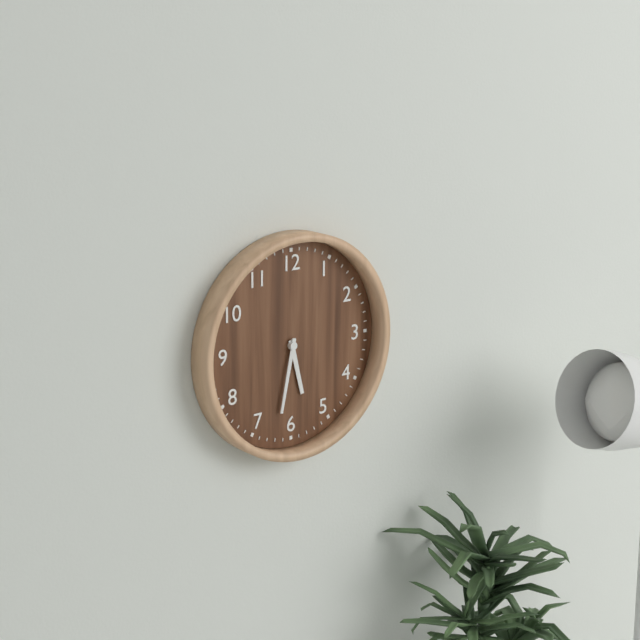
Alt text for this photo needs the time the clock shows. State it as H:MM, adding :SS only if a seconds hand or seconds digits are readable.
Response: 5:32
